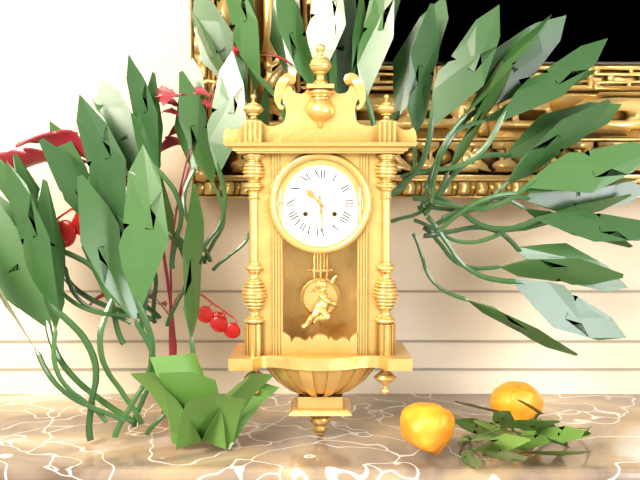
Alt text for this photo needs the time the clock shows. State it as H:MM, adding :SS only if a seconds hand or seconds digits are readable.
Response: 10:29
